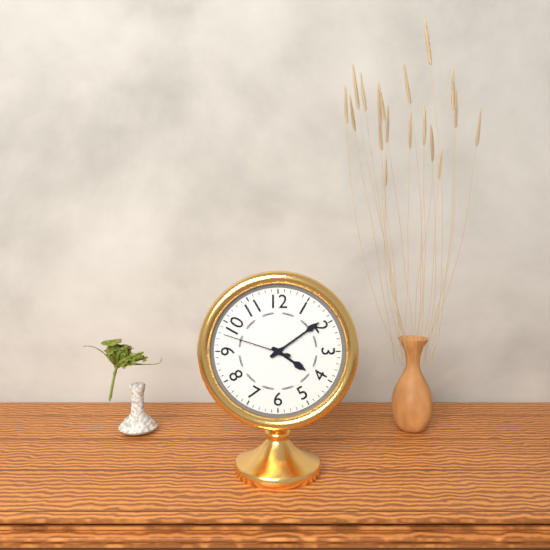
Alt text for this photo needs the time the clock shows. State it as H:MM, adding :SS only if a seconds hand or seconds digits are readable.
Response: 4:09:48
